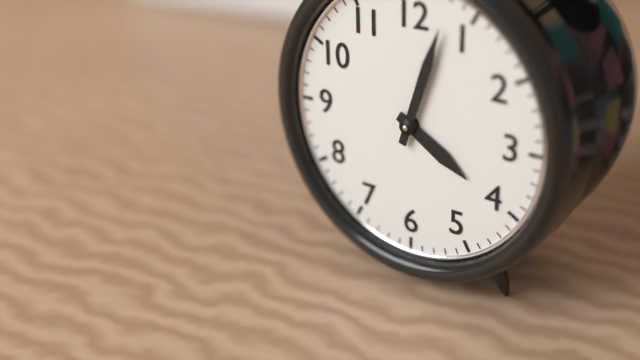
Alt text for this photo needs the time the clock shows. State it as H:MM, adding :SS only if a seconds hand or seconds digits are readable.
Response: 4:03
